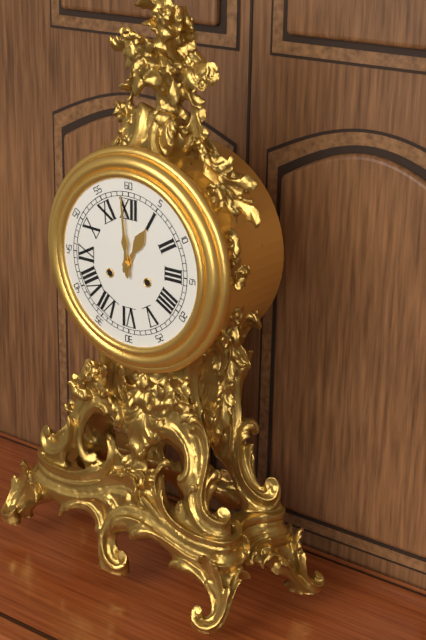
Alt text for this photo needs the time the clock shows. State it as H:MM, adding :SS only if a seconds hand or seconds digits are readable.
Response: 12:59
